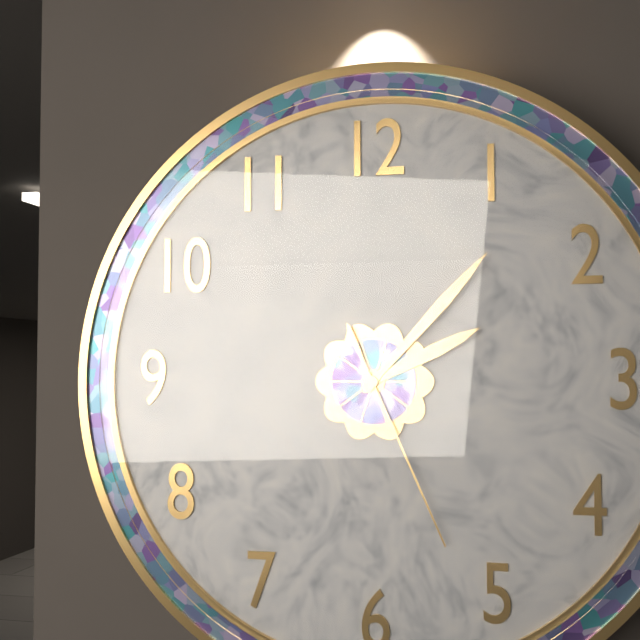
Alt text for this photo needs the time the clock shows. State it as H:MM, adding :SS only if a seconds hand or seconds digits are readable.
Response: 2:07:26
